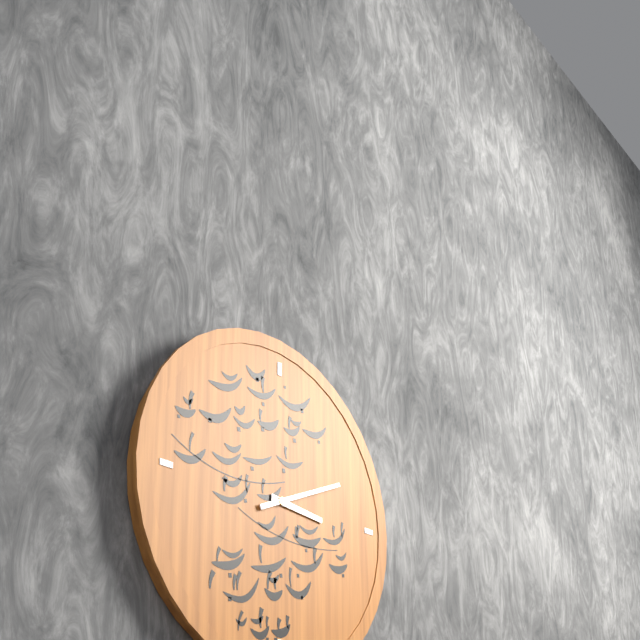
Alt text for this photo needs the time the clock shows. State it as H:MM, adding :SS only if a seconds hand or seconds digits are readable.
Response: 3:11
